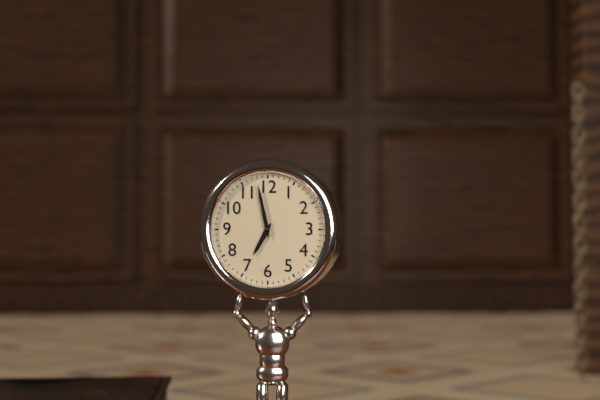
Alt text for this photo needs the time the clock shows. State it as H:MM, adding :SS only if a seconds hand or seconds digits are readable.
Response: 6:58
